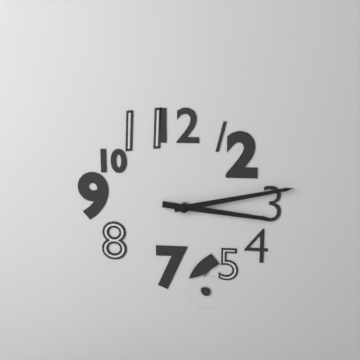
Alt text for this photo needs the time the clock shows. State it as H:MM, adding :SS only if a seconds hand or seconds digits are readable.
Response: 3:13
